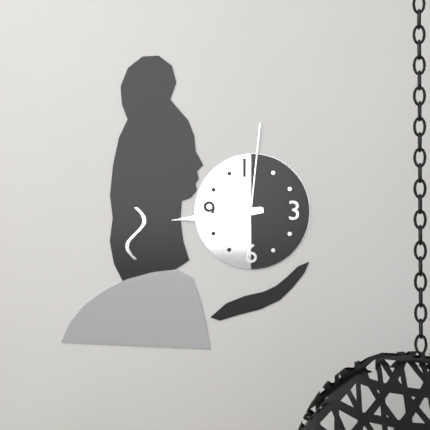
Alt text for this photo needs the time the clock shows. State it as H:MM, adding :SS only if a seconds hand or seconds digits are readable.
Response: 8:44:01
